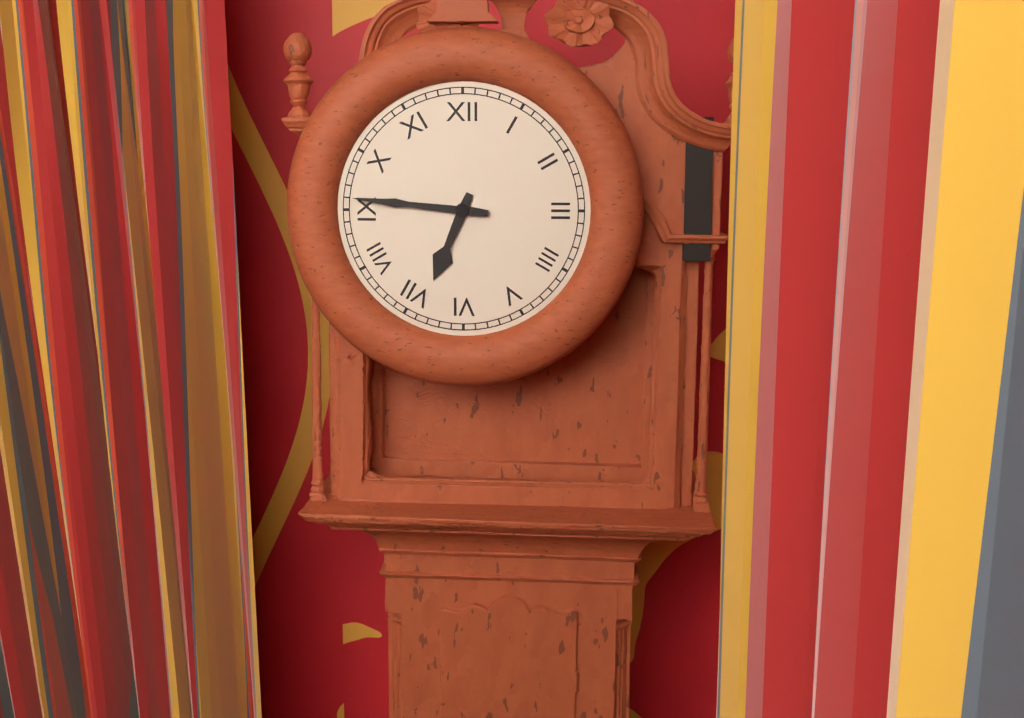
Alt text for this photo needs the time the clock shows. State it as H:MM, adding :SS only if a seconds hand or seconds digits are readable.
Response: 6:46
